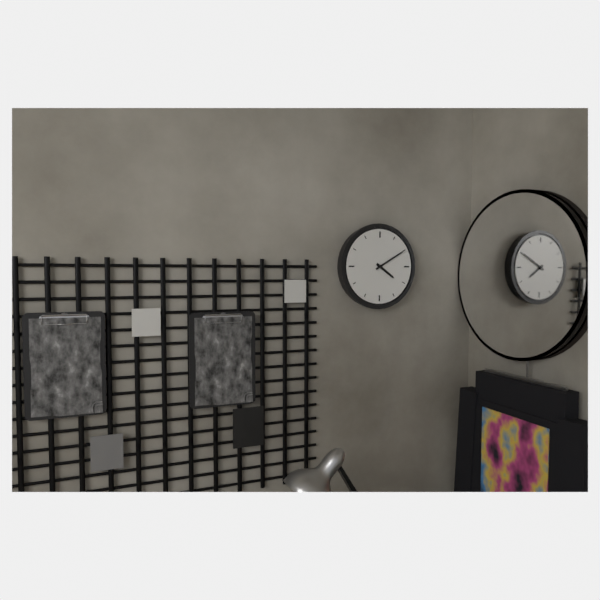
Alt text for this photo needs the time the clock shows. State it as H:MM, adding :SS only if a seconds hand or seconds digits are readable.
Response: 4:10
